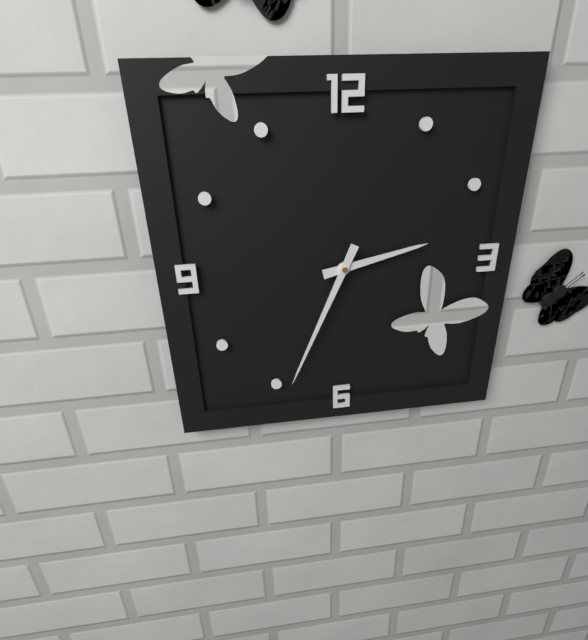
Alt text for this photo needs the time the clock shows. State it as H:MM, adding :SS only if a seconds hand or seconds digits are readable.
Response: 2:34
